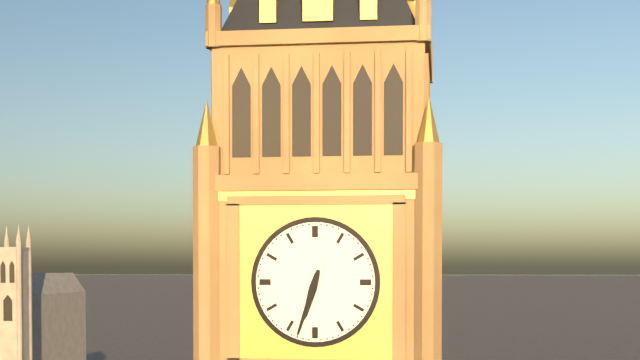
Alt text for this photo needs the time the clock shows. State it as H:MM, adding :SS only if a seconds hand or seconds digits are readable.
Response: 6:33
